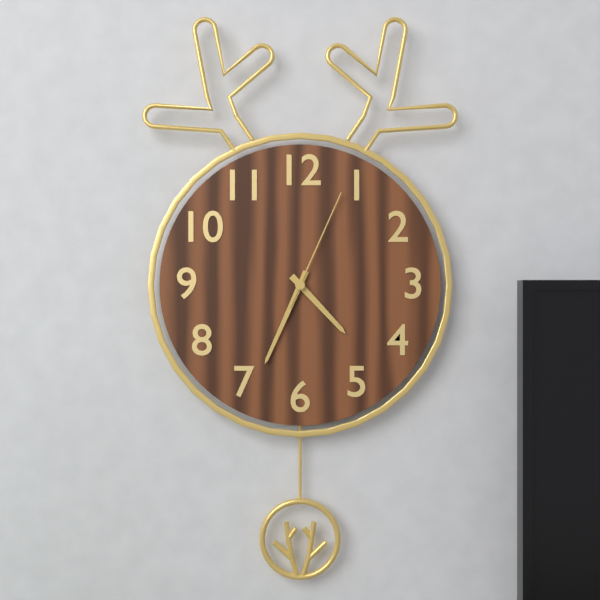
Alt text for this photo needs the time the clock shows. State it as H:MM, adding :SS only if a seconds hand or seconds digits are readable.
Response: 4:34:04
